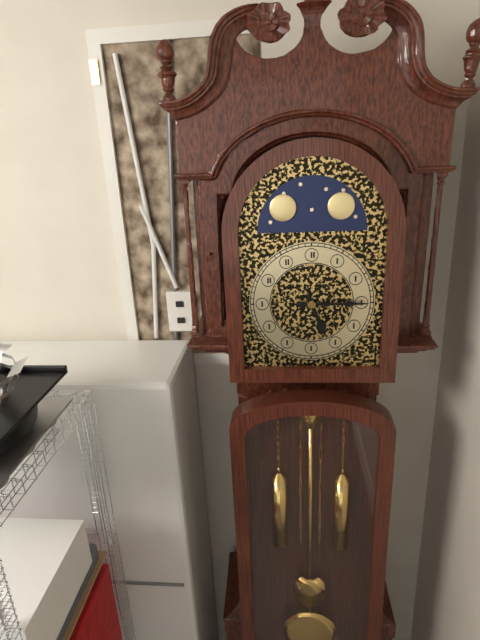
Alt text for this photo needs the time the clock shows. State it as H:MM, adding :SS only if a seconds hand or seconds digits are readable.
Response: 5:15
